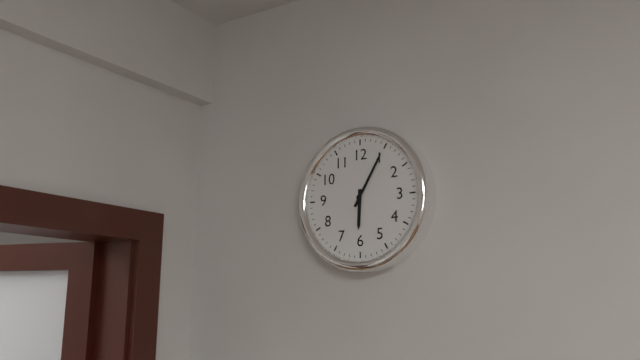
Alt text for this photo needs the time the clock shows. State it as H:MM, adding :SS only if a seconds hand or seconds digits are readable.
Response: 6:05
